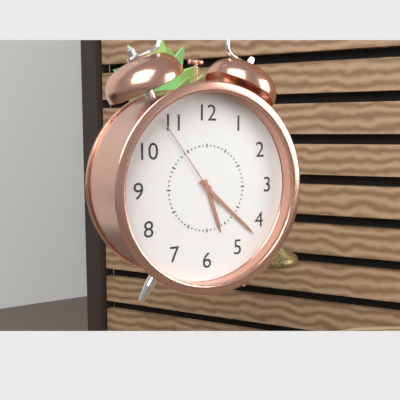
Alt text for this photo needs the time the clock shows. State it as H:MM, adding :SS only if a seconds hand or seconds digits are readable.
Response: 5:22:54
